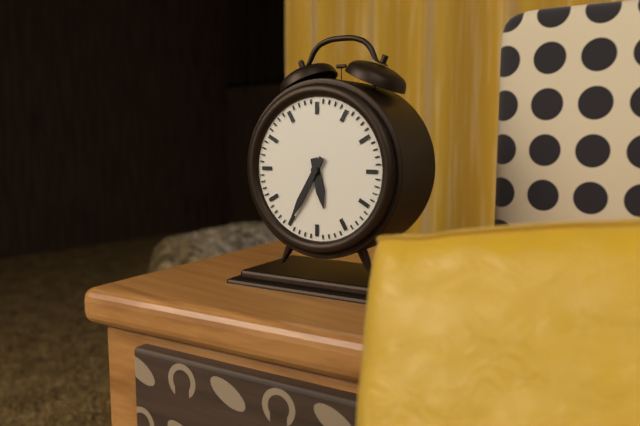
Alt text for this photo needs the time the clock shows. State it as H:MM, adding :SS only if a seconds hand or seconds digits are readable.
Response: 5:35
